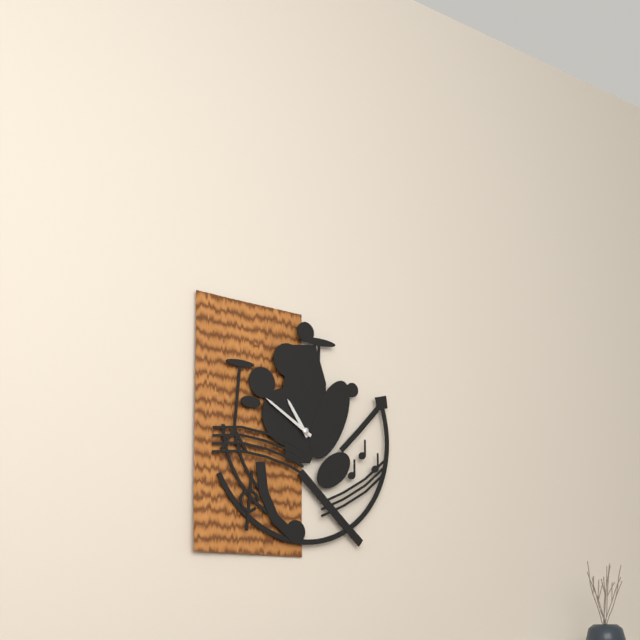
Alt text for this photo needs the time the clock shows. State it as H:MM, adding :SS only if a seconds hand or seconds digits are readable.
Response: 10:50
